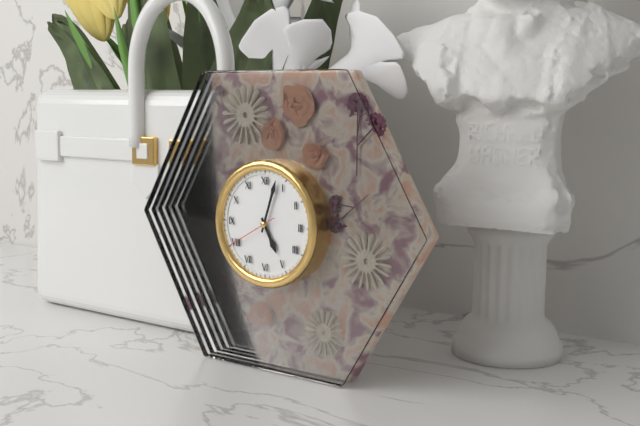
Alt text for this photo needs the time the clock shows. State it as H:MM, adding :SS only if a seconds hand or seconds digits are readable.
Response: 5:03:40
